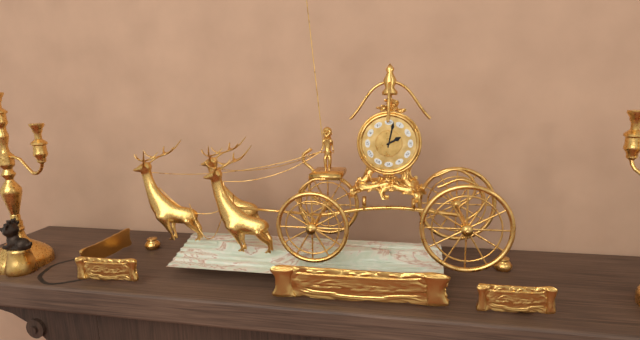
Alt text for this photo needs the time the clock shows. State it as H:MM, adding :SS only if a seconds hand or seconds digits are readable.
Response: 2:02
